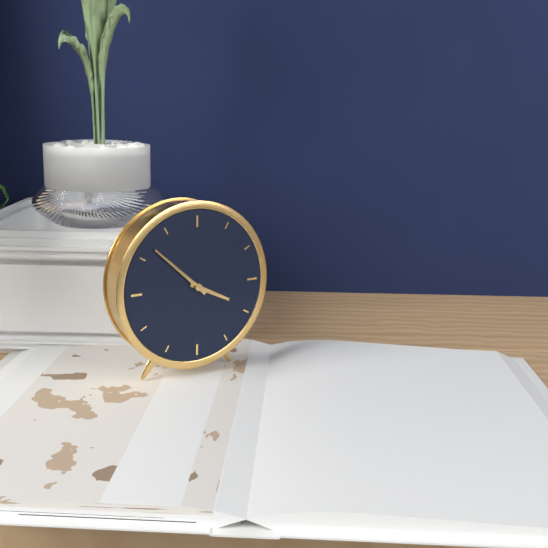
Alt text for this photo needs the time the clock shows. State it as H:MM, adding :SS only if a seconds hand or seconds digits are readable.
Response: 3:52
